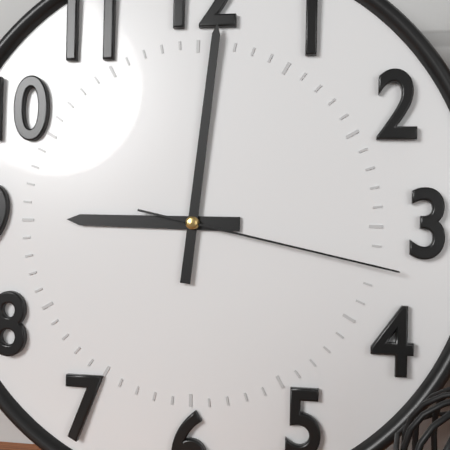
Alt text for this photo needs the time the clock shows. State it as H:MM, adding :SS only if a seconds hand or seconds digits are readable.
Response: 9:01:17
